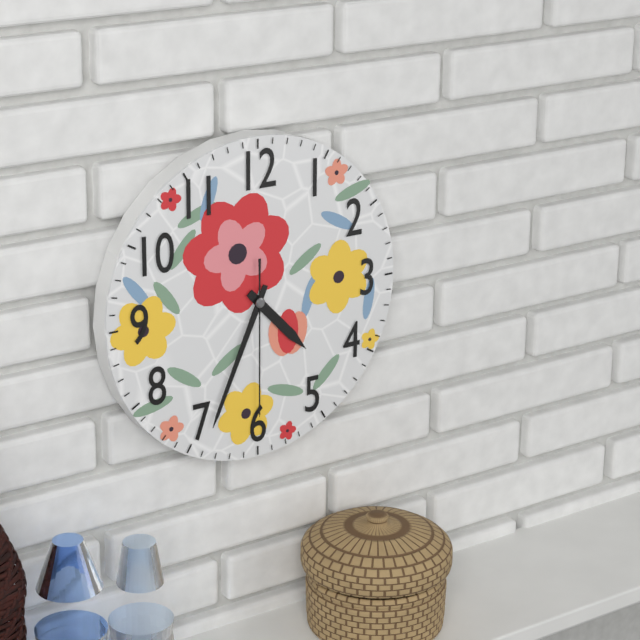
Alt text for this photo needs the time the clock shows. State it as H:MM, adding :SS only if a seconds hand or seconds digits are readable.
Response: 4:34:30
